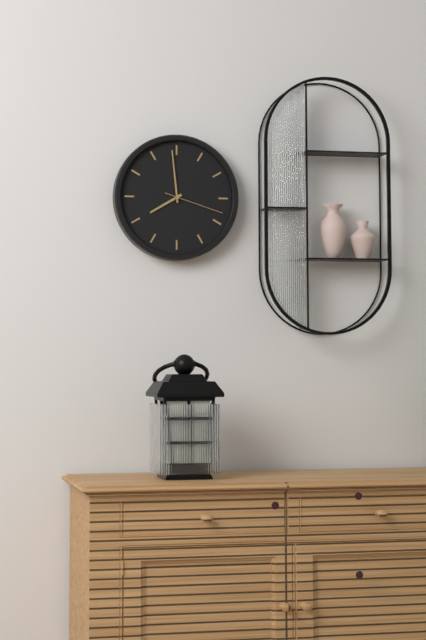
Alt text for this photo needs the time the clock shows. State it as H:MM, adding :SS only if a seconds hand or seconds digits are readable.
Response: 7:59:18
